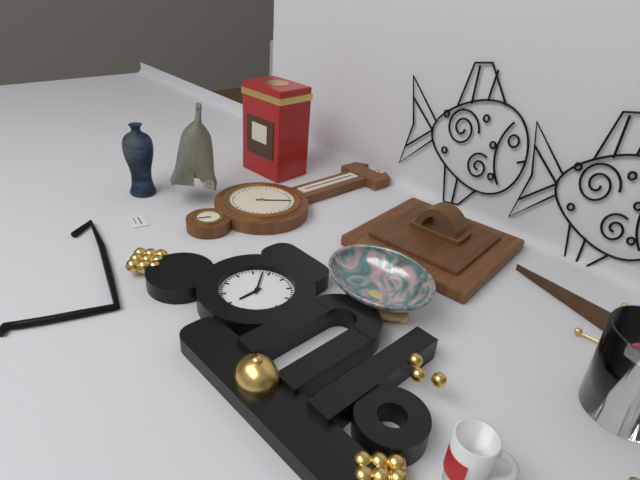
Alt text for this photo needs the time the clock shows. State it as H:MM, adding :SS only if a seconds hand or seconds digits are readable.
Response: 5:53
